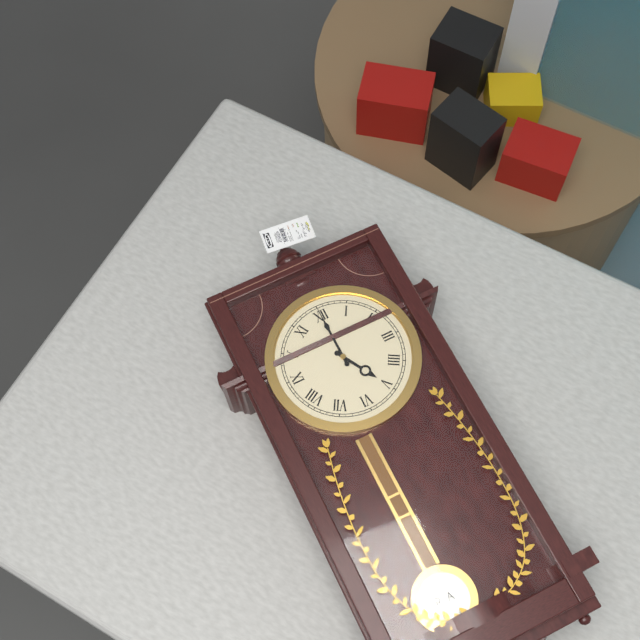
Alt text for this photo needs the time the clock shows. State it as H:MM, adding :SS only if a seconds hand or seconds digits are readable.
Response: 5:00
